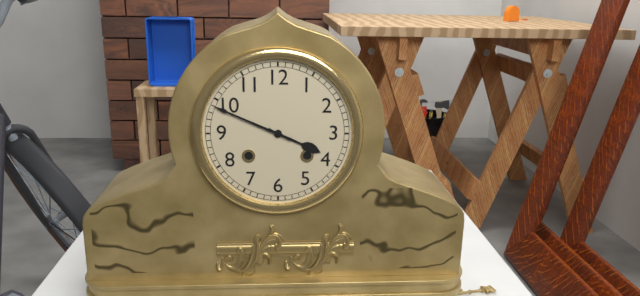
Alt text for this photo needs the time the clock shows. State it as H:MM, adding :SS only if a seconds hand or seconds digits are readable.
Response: 3:49
